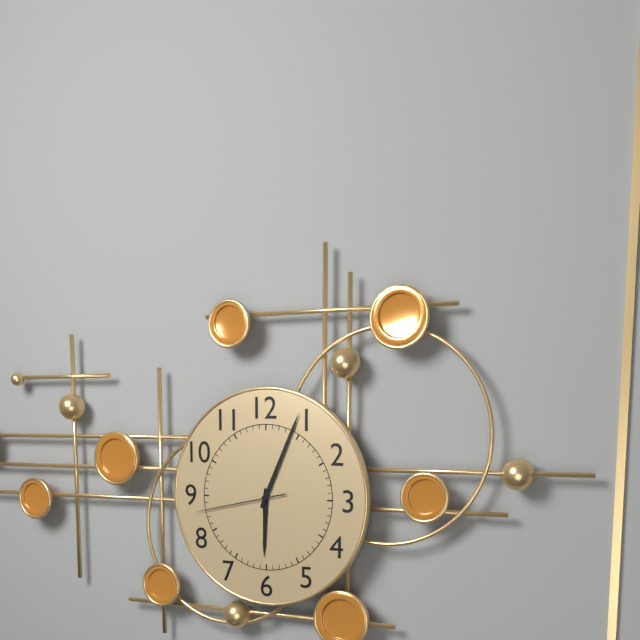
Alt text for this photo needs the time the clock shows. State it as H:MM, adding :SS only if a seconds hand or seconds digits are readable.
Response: 6:04:43
